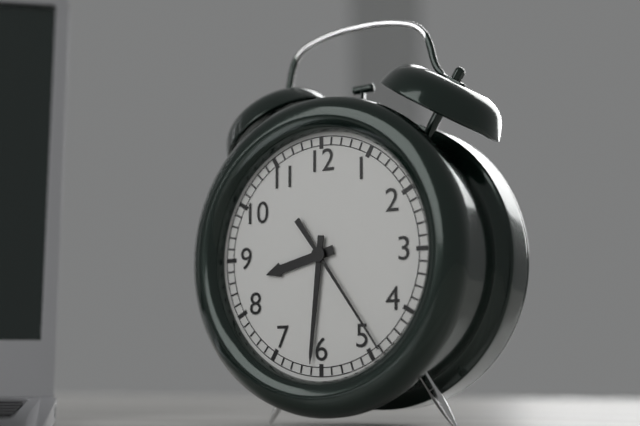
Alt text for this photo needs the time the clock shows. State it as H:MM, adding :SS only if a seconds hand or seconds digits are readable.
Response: 8:31:24
